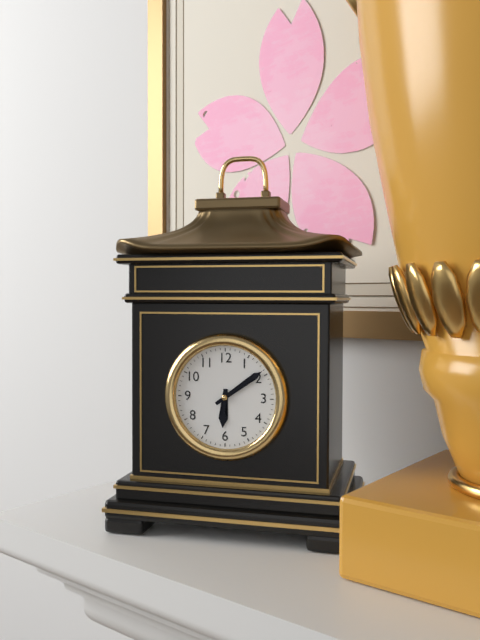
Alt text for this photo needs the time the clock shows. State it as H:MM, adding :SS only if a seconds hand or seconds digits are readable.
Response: 6:09
